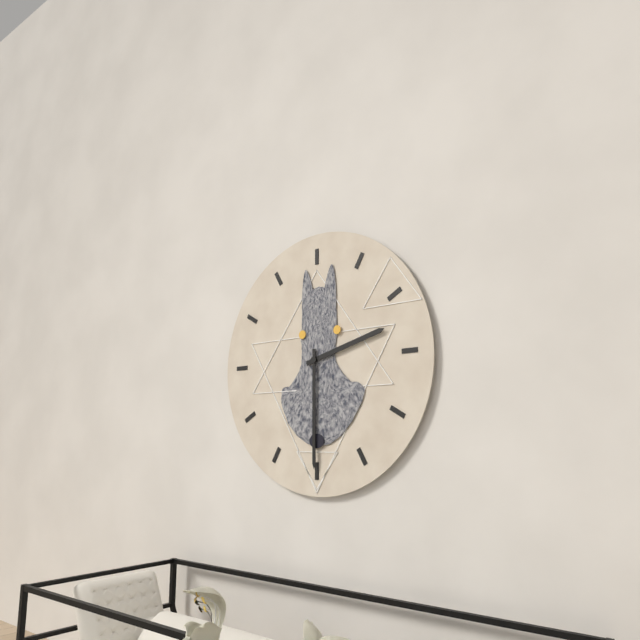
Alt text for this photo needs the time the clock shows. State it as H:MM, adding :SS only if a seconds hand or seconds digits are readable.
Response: 2:30
